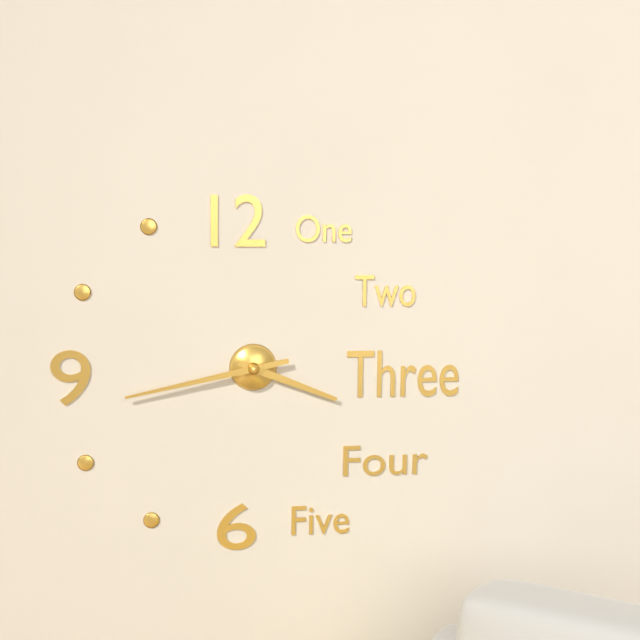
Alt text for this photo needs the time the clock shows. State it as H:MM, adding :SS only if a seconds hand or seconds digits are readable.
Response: 3:43
